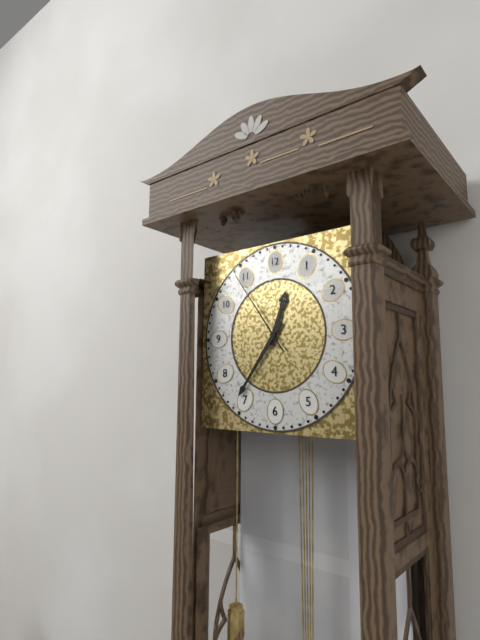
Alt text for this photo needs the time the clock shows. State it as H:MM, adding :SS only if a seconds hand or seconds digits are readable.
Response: 12:36:54
